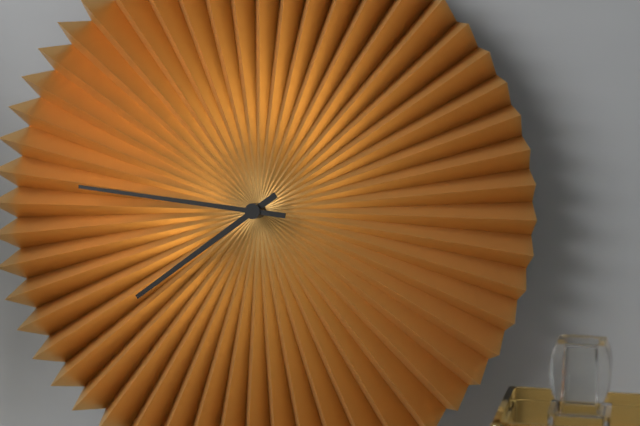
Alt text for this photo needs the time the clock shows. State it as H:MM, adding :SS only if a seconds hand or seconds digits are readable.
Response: 7:46
